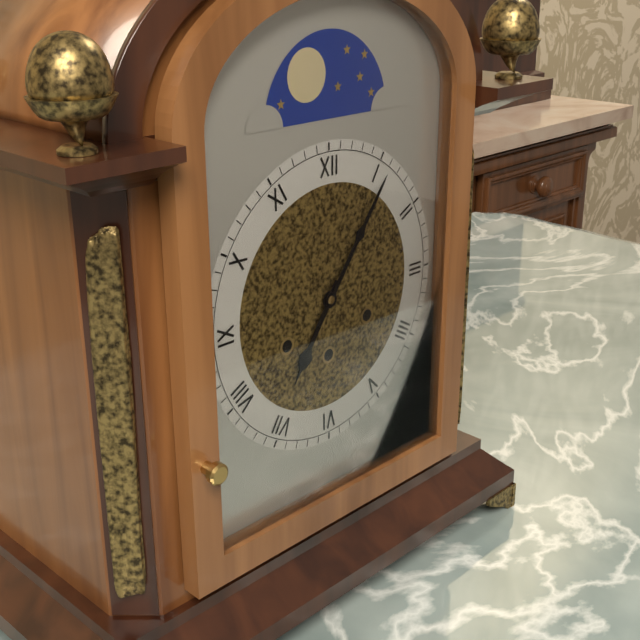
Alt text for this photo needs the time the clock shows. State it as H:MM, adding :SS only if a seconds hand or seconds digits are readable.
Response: 7:06
